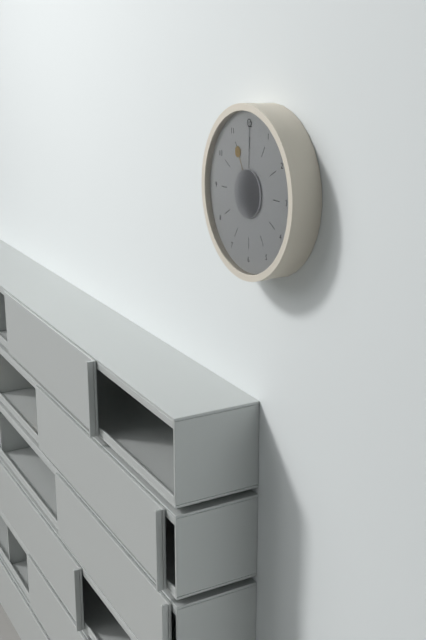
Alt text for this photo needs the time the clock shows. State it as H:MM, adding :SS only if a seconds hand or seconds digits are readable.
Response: 11:00
